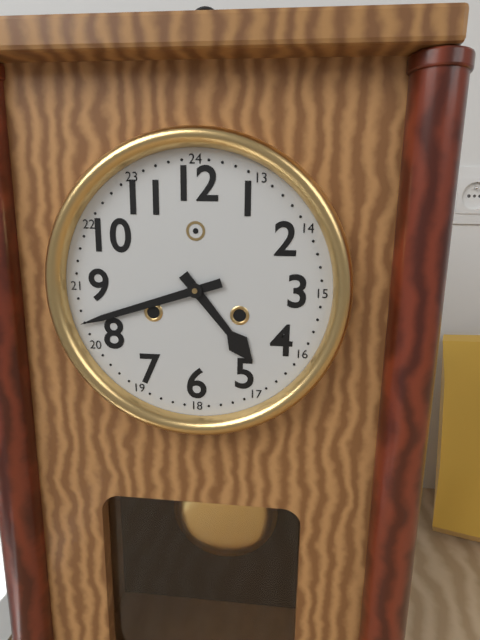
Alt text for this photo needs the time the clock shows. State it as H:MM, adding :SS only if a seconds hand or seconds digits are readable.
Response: 4:42
